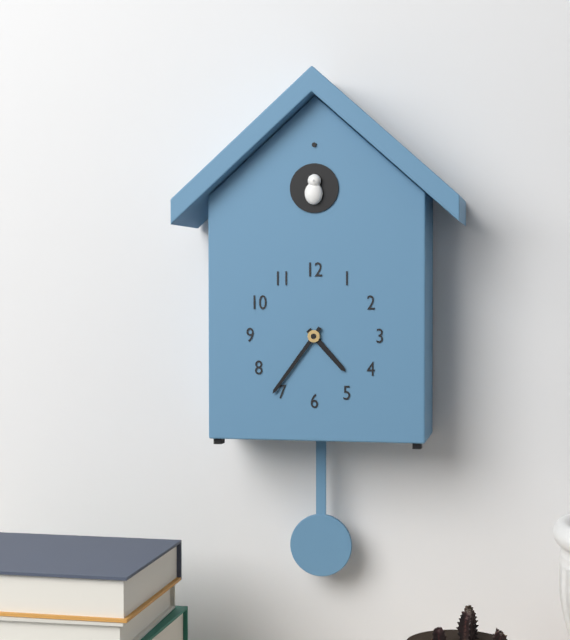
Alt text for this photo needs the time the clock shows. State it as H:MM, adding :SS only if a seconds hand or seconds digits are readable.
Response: 4:36
